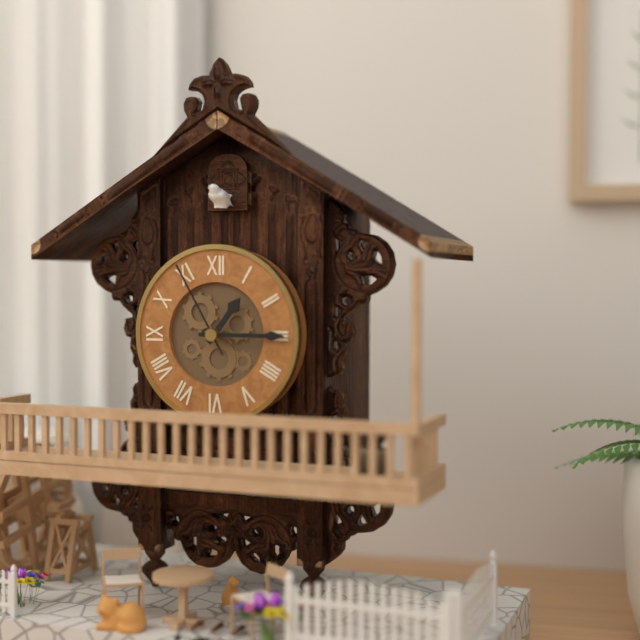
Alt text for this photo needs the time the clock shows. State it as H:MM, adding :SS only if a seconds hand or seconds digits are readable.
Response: 1:15:55
